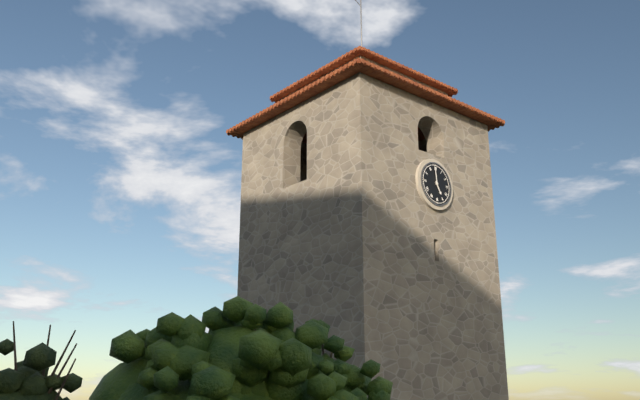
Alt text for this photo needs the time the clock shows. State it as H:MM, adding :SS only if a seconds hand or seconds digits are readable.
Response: 4:59
